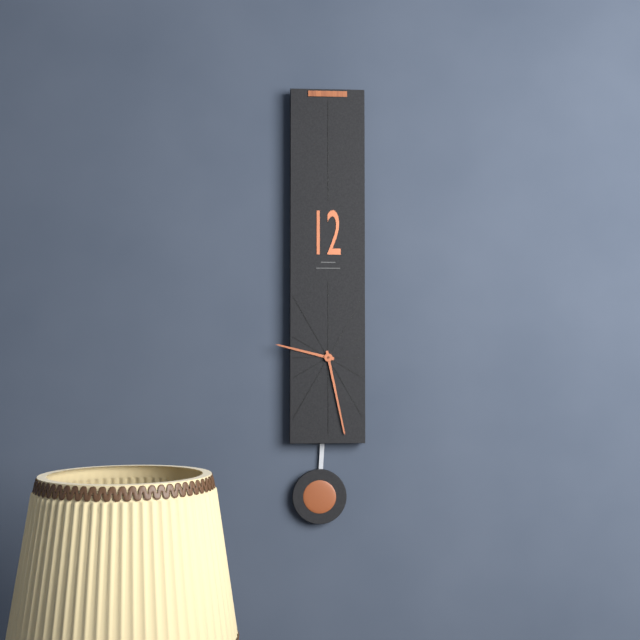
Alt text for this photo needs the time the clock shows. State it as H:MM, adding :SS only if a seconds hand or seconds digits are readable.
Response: 9:28
